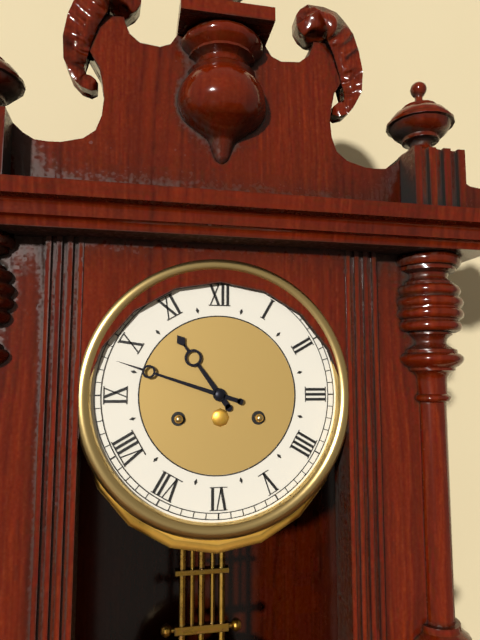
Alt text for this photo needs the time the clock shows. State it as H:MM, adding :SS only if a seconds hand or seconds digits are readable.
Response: 10:48
